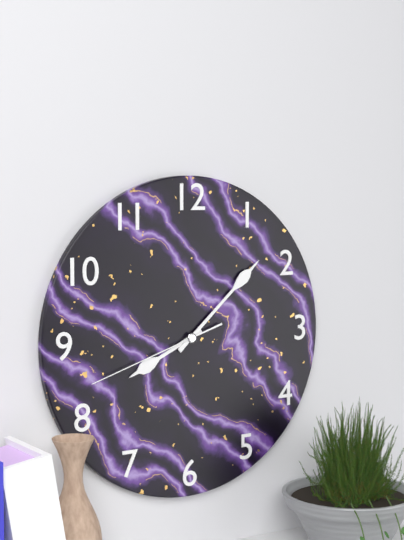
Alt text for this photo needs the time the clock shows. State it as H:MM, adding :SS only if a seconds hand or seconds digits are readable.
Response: 8:08:42
